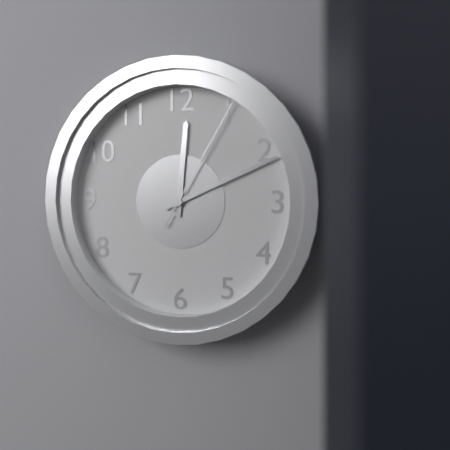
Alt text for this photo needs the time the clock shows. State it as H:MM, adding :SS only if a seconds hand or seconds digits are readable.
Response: 12:11:05
